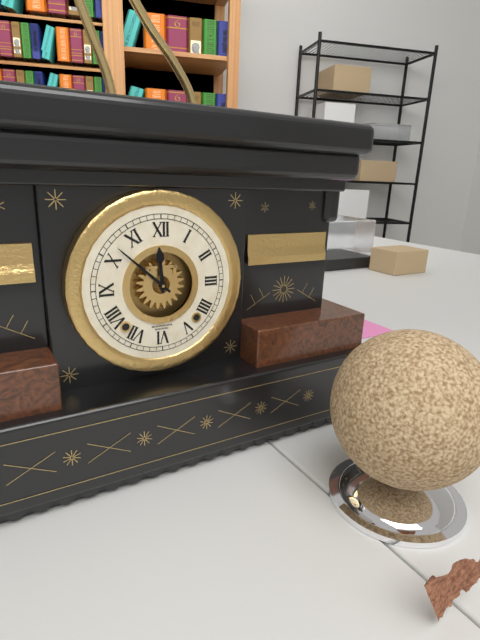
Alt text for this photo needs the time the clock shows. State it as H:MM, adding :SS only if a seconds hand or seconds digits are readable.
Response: 11:52
